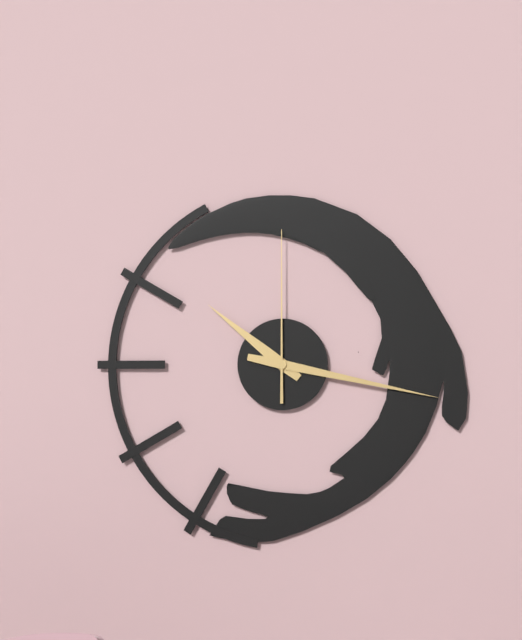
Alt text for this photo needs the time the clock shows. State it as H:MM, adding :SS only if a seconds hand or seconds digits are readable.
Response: 10:17:00
